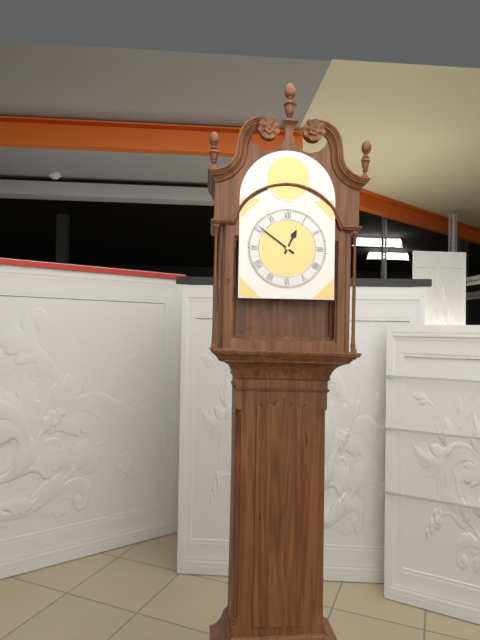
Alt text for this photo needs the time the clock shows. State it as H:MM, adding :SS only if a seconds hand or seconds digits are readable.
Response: 12:51
